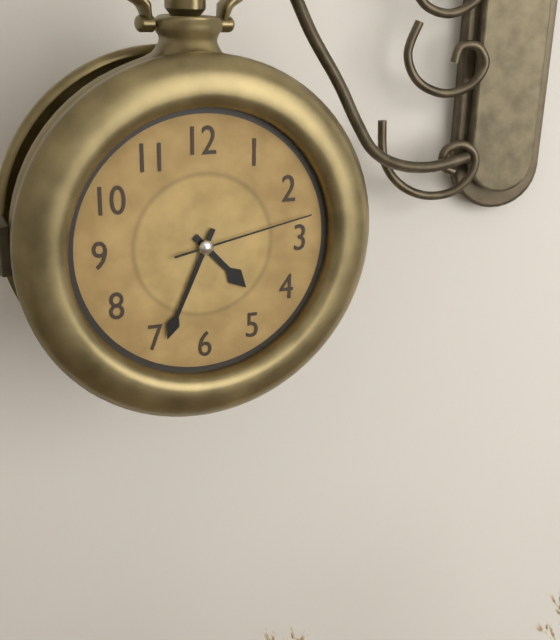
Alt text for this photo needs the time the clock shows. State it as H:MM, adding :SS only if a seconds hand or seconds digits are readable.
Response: 4:34:13
